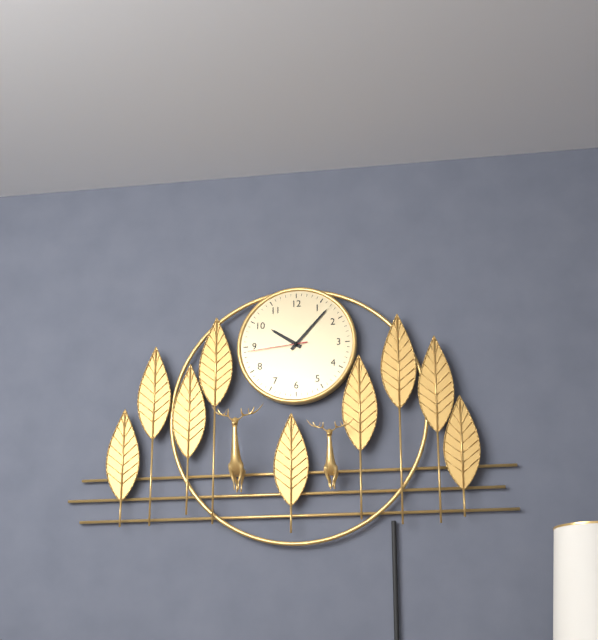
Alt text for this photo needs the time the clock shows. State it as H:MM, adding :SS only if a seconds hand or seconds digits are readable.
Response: 10:07:44
